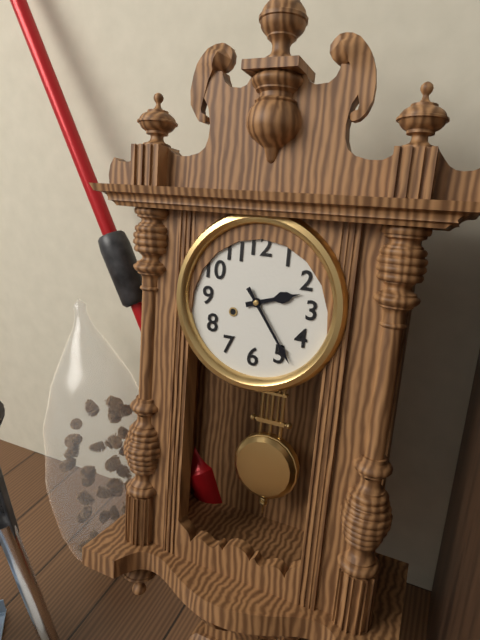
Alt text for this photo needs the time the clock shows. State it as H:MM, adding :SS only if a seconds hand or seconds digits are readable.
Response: 2:24
